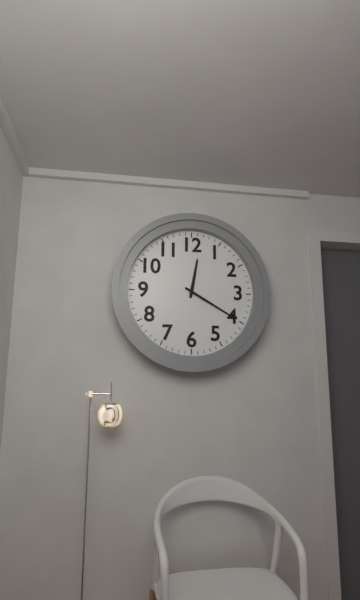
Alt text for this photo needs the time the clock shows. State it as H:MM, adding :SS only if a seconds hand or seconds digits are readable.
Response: 12:20
